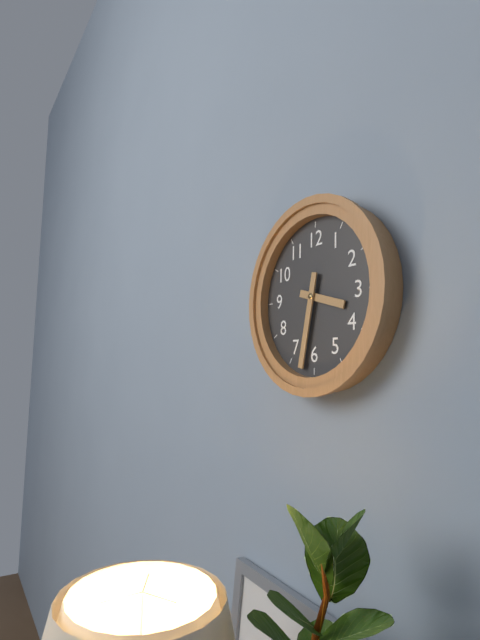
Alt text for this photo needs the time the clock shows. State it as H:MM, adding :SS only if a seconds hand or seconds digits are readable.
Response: 3:32
